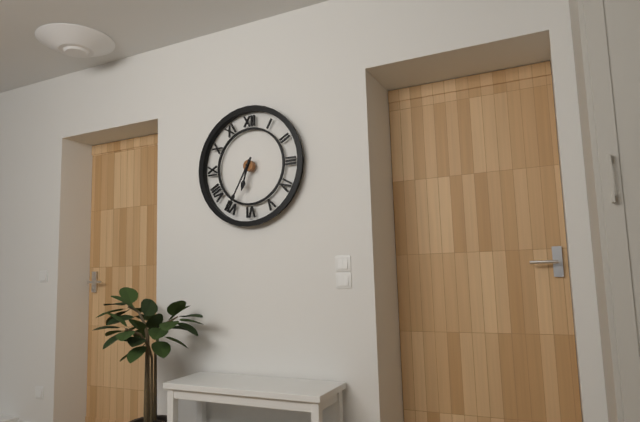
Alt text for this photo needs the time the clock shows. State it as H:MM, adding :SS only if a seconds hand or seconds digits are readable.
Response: 6:35
